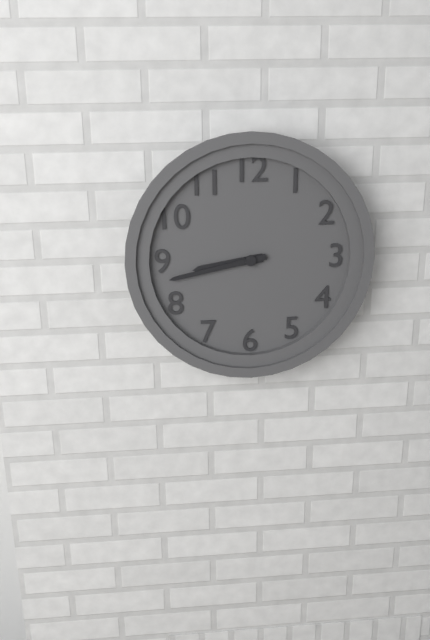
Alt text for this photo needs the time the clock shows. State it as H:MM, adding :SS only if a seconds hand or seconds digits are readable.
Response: 8:43
